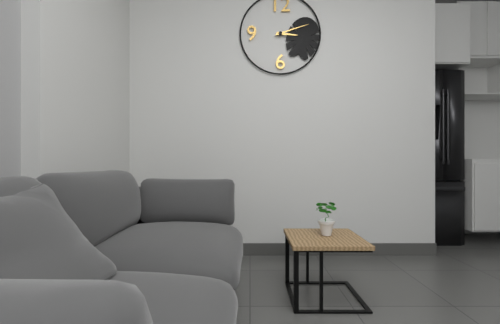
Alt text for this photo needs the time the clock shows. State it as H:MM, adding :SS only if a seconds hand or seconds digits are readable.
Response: 3:12
